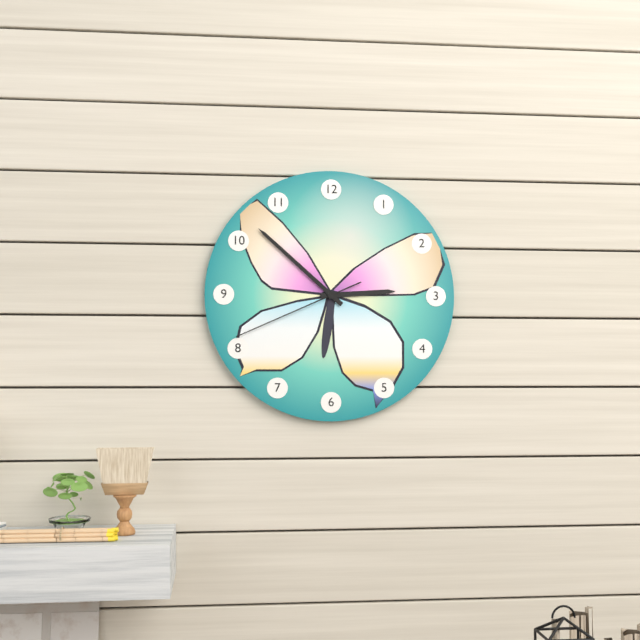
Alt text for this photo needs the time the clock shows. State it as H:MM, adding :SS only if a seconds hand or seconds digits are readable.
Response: 2:52:41
